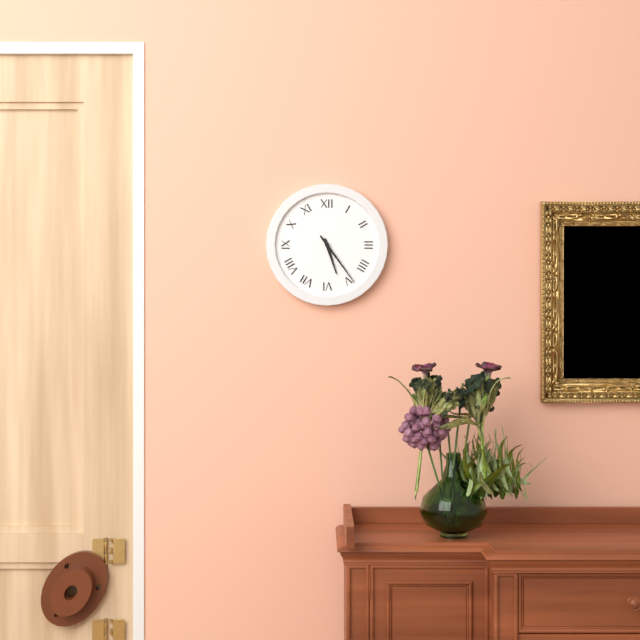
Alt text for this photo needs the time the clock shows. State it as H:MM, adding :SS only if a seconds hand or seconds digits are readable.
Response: 5:24
